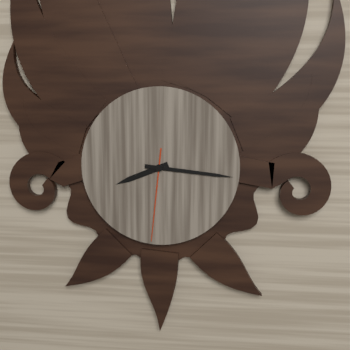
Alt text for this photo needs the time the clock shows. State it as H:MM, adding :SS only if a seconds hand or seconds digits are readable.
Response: 8:16:31
